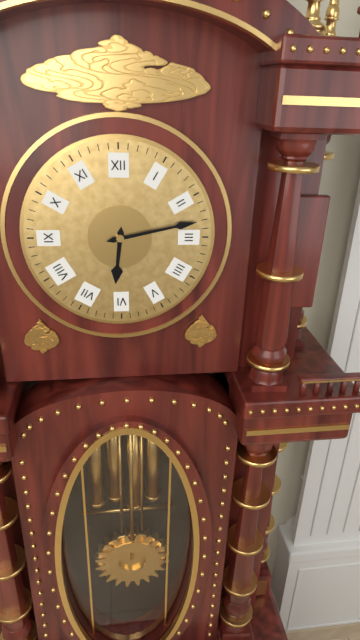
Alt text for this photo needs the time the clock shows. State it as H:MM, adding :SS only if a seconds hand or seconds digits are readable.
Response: 6:13
